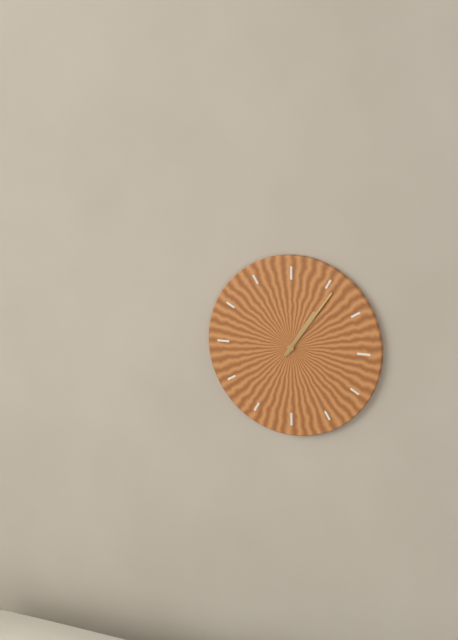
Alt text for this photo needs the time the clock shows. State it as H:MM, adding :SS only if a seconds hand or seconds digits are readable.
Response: 1:06
